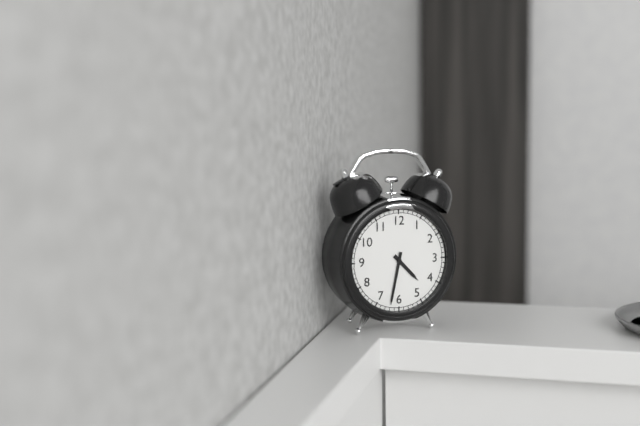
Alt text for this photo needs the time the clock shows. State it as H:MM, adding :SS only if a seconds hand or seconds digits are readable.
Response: 4:32
